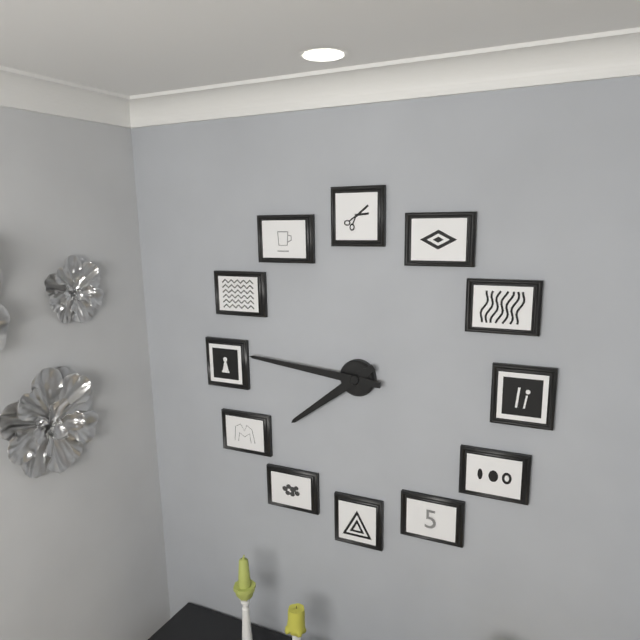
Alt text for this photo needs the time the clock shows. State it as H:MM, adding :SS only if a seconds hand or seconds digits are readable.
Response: 7:46
